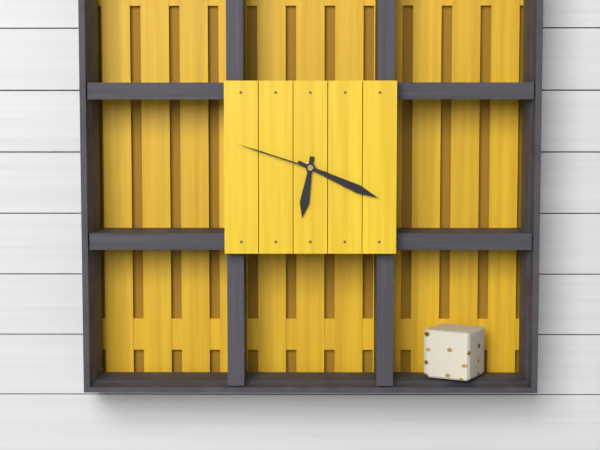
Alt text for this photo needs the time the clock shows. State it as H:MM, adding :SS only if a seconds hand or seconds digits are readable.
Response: 6:19:48
